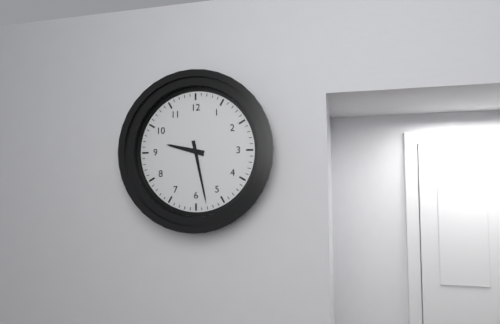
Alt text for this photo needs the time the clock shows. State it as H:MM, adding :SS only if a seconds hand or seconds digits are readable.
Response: 9:28
